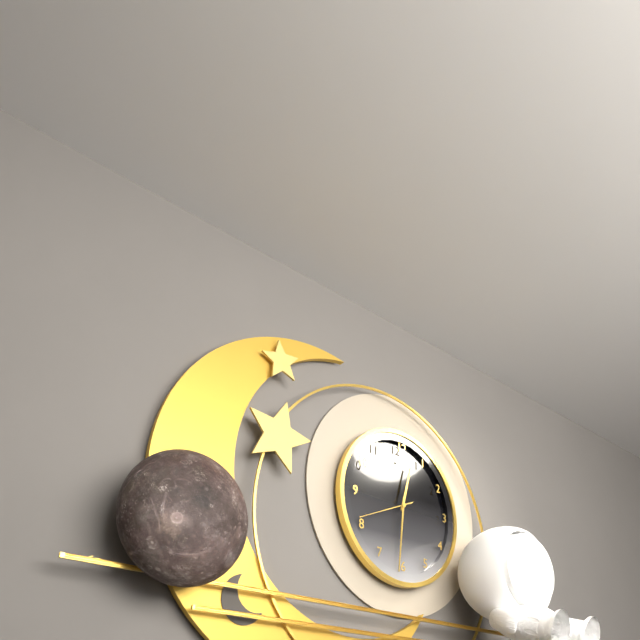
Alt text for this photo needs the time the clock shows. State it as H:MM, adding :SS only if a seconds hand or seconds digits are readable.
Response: 12:31
